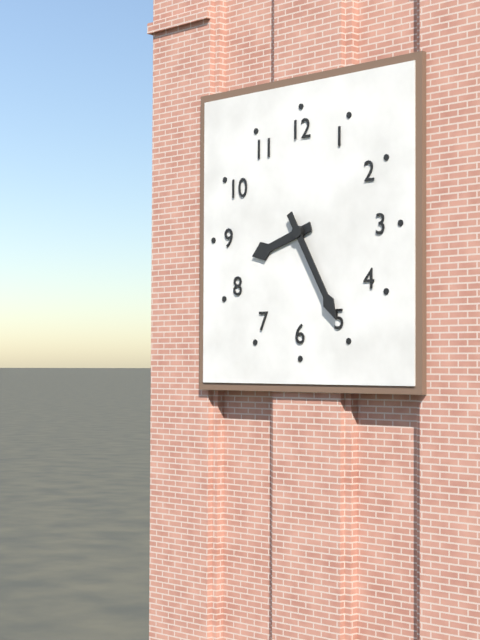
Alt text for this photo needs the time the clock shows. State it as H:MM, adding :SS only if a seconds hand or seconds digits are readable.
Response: 8:25
